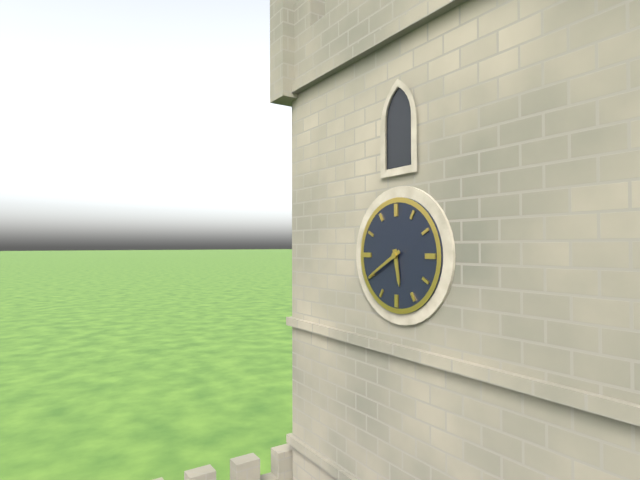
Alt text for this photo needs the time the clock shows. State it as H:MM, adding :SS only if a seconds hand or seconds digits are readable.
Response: 5:40
